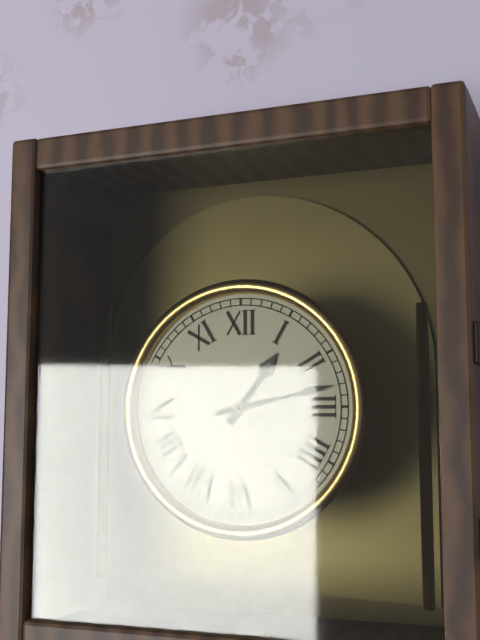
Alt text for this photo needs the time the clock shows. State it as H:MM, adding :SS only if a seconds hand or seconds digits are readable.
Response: 1:13
